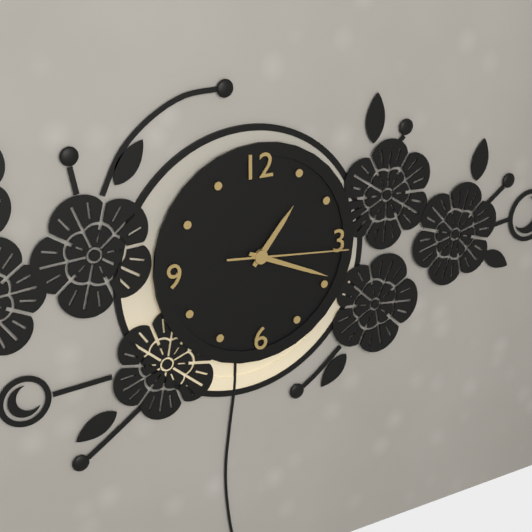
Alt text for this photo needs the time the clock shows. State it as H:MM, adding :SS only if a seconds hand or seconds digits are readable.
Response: 1:19:16
